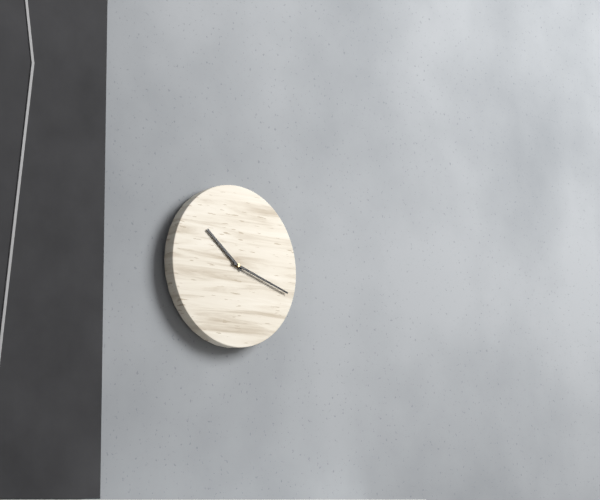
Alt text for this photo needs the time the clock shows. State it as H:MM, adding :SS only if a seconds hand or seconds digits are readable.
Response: 10:18
